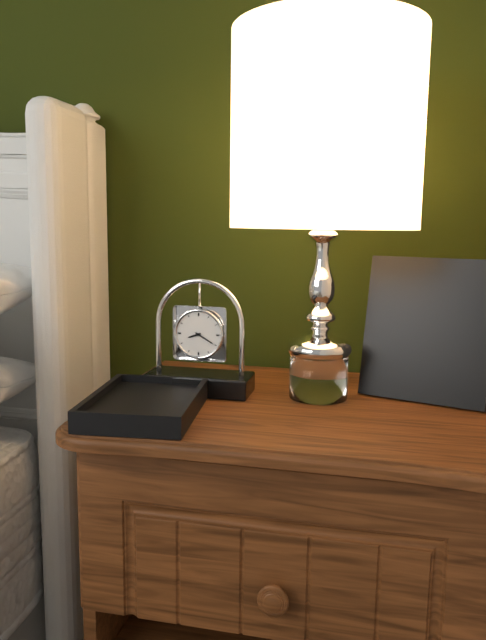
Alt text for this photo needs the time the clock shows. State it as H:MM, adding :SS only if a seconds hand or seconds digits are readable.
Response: 8:20
